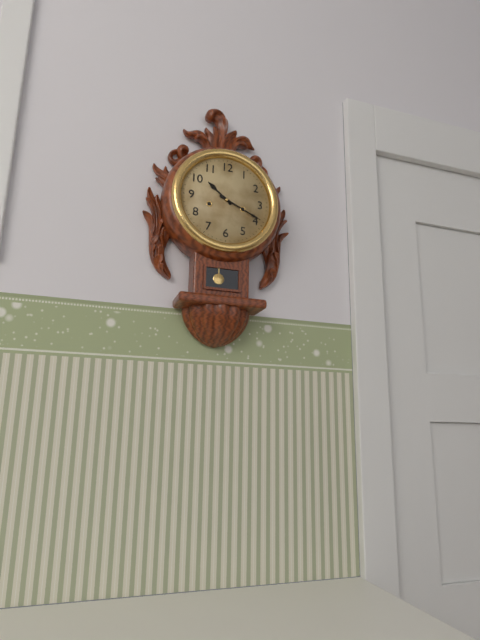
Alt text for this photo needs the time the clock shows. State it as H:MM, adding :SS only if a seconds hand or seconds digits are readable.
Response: 10:19
